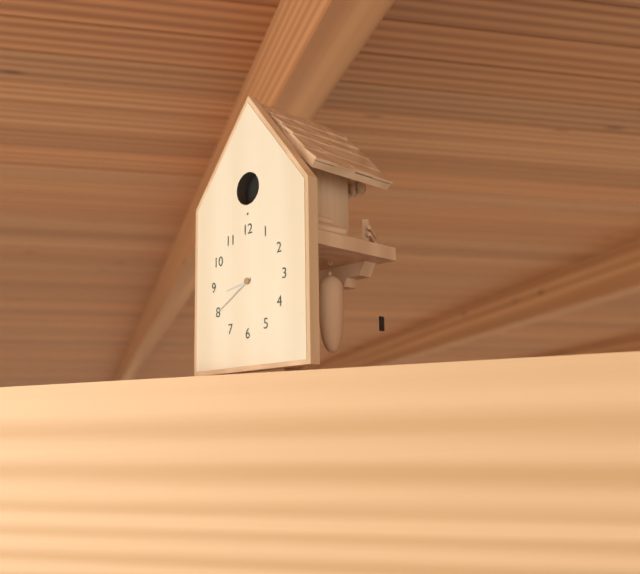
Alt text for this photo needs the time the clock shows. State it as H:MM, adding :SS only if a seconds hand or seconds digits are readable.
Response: 8:40
